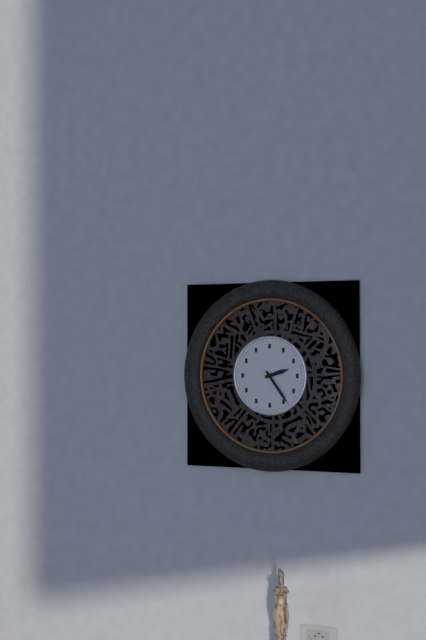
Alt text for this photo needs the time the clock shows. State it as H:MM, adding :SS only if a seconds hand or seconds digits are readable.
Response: 2:24
